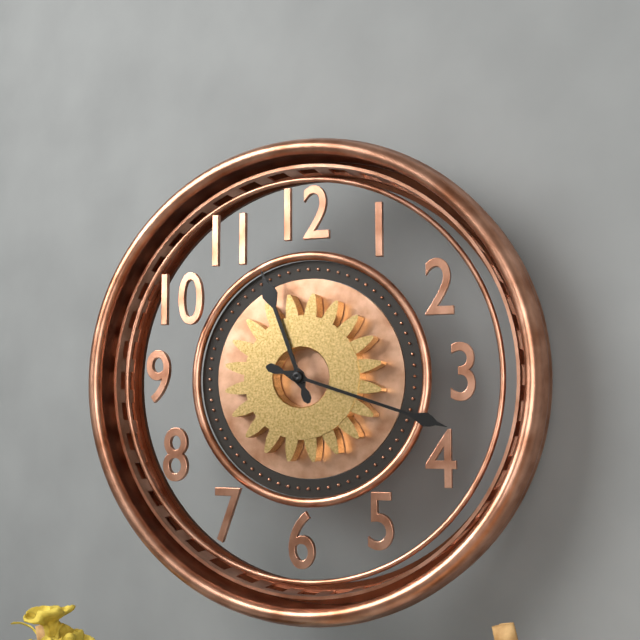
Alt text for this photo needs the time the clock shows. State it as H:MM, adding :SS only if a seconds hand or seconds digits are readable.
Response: 11:18
